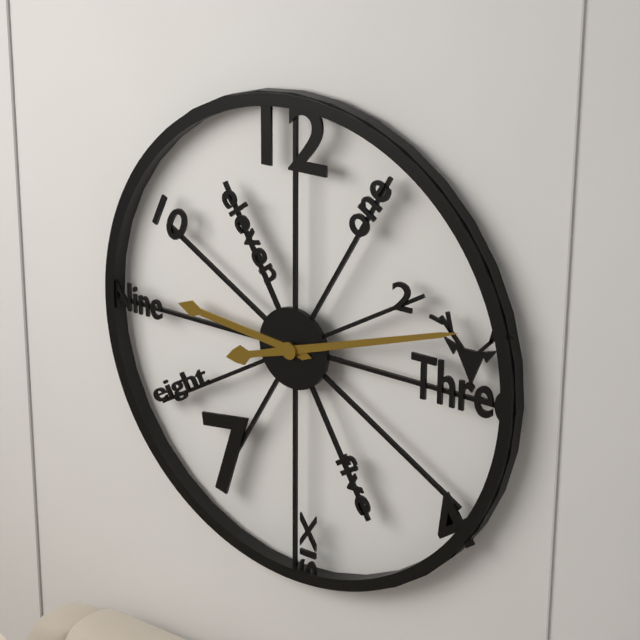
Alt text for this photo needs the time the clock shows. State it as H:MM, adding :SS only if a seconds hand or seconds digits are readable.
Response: 9:12
